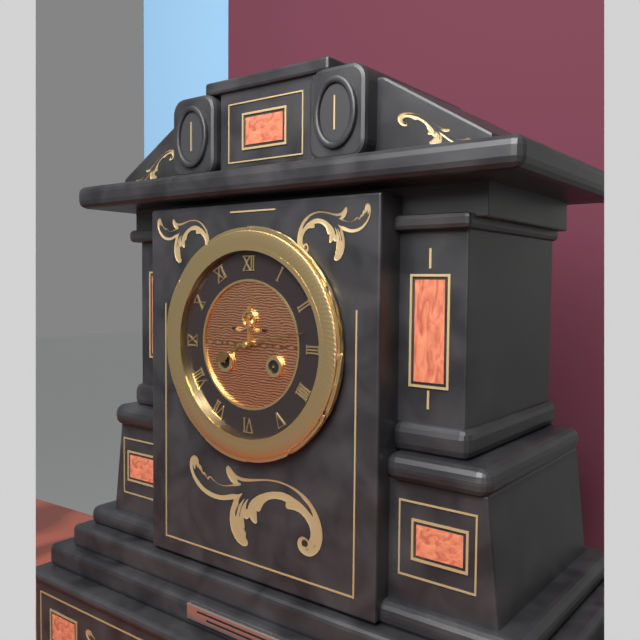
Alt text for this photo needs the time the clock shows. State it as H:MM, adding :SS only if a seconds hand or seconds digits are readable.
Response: 8:13
